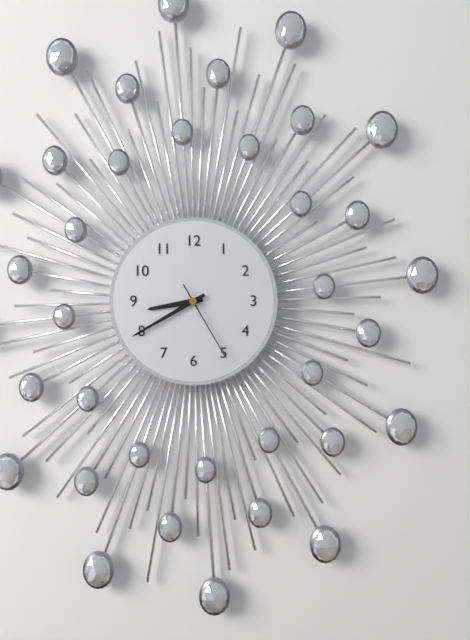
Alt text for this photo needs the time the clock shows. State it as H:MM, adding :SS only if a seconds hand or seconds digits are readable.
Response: 8:40:25
